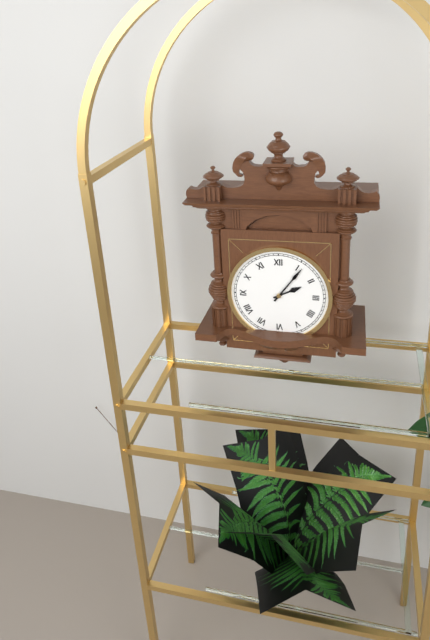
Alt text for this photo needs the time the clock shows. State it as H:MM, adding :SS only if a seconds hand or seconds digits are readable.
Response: 2:06
